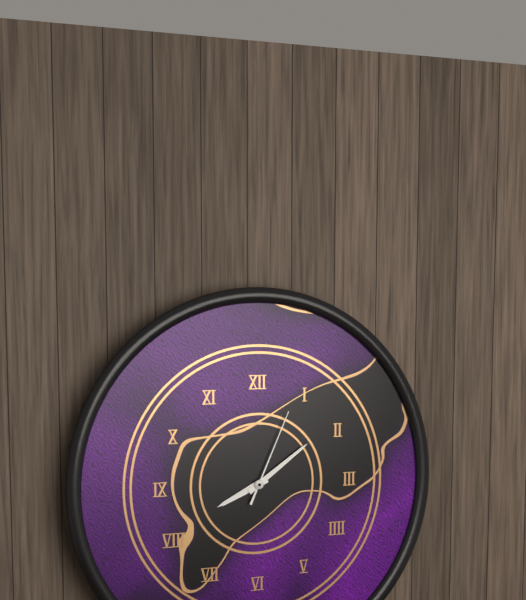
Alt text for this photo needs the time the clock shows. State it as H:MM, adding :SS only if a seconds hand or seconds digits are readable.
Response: 8:09:04
